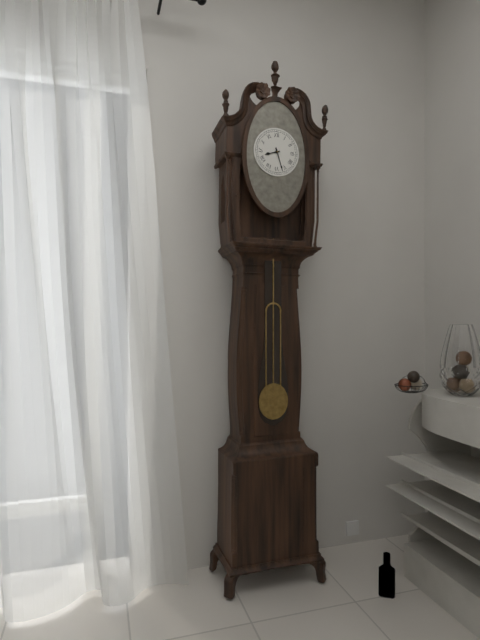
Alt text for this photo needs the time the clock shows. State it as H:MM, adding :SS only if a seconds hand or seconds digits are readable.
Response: 8:27
